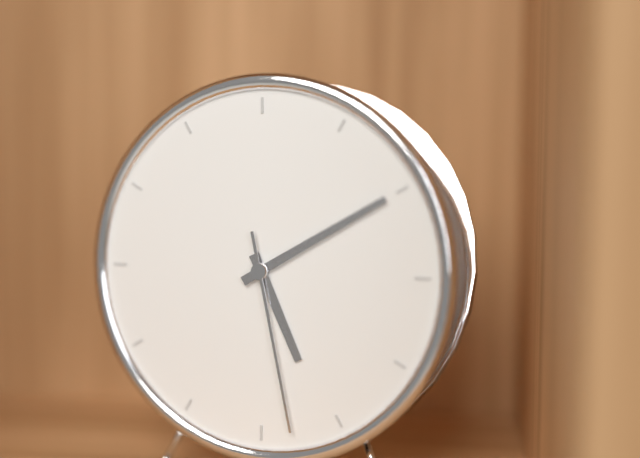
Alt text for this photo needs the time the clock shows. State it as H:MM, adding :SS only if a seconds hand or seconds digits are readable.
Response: 5:10:28
